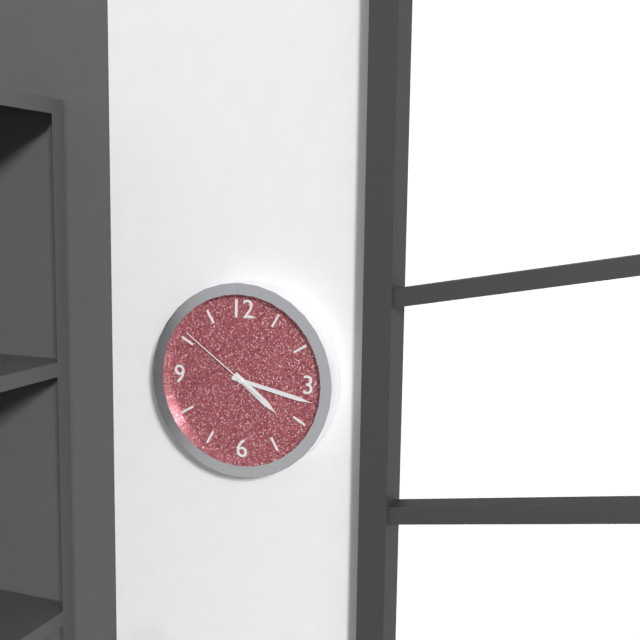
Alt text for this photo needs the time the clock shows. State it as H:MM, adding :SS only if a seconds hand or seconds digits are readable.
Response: 4:17:51
